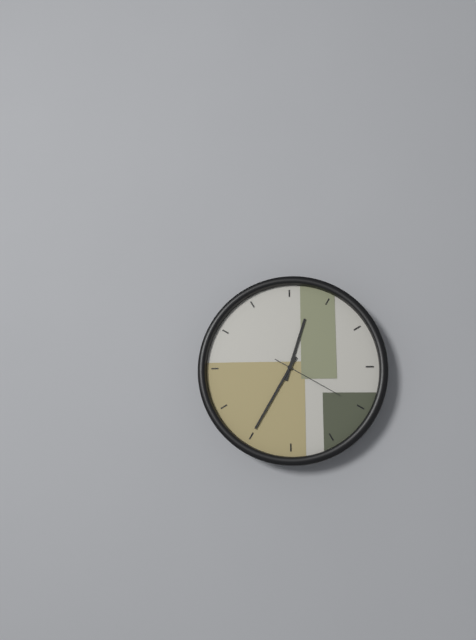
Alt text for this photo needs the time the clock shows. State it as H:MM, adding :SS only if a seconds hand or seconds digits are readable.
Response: 12:35:20
